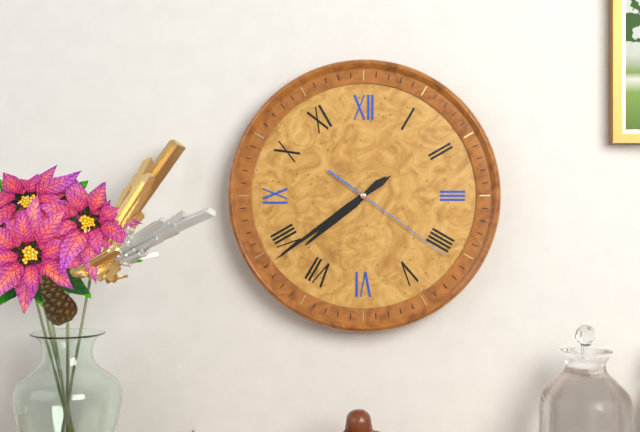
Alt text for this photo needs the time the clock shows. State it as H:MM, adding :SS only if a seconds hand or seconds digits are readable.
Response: 7:39:21
